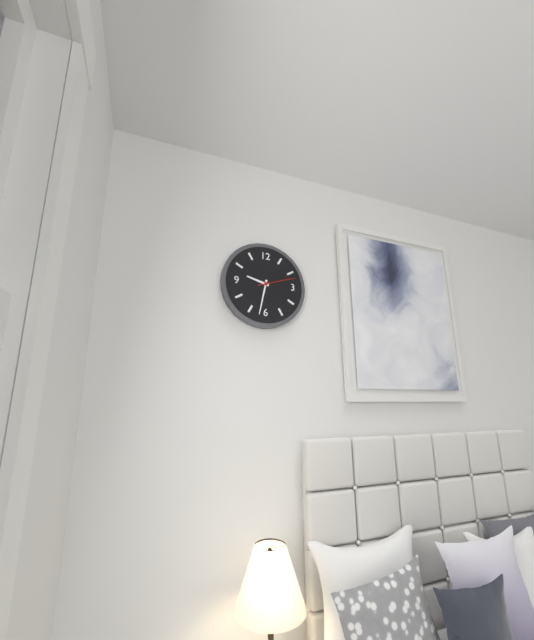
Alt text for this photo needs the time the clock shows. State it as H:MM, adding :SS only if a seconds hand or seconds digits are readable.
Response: 9:32
